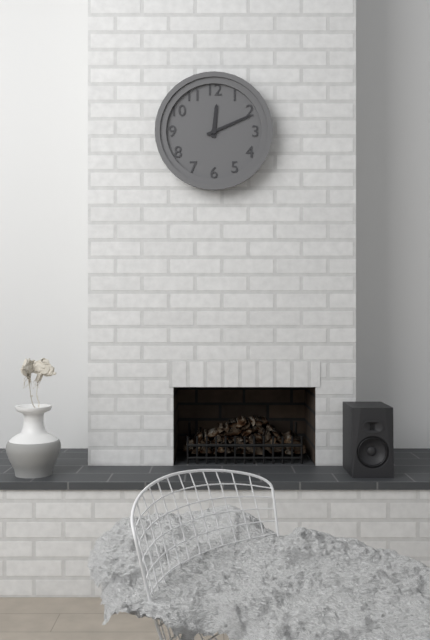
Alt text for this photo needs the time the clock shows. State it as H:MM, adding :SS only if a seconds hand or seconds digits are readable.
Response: 12:11
